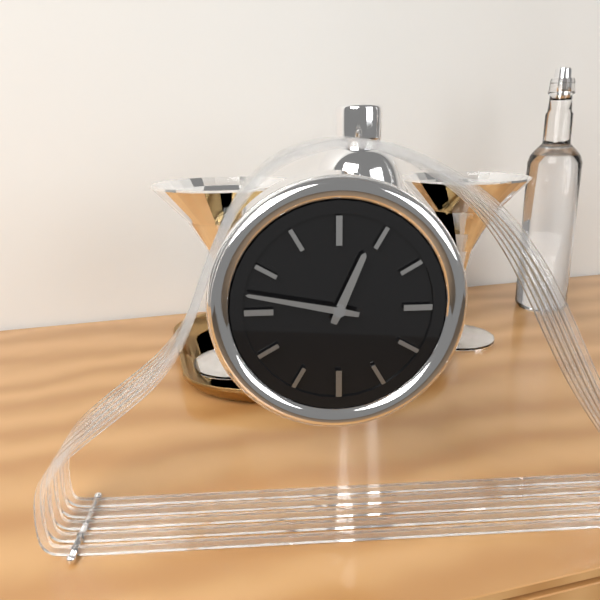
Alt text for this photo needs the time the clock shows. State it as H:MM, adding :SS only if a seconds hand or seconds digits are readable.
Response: 12:47
